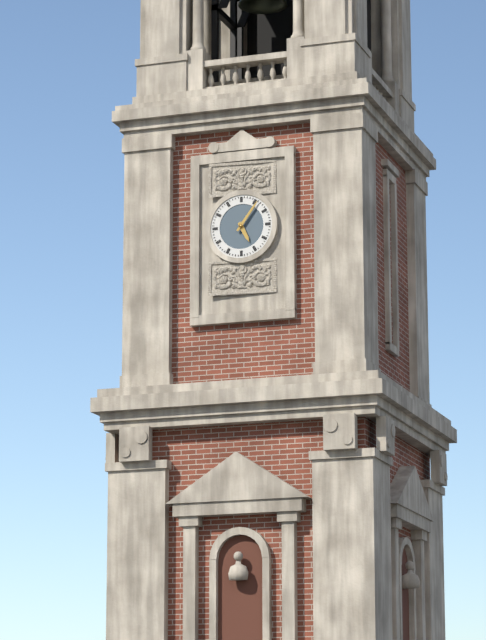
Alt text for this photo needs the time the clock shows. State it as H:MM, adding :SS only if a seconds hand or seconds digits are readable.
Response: 5:06
